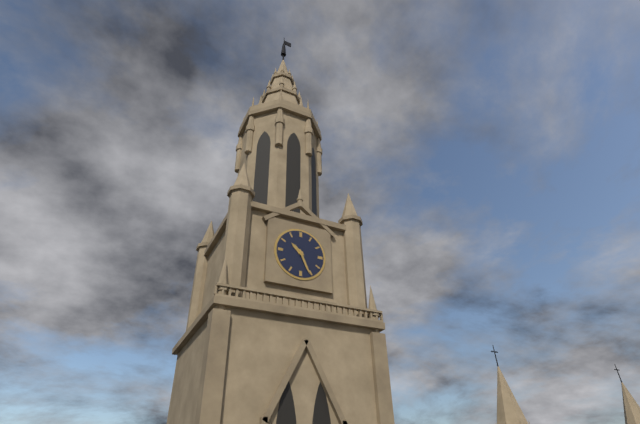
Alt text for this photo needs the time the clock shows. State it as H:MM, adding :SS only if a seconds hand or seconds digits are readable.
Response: 10:26
